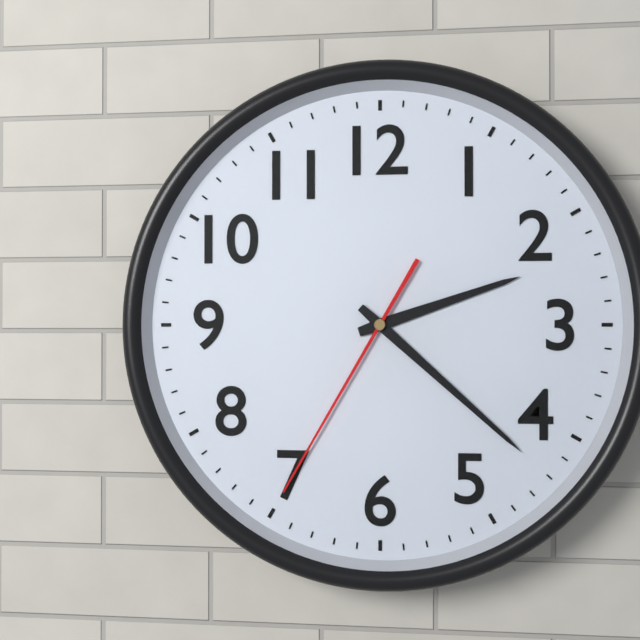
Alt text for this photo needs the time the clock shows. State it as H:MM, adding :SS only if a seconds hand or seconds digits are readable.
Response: 2:22:35
